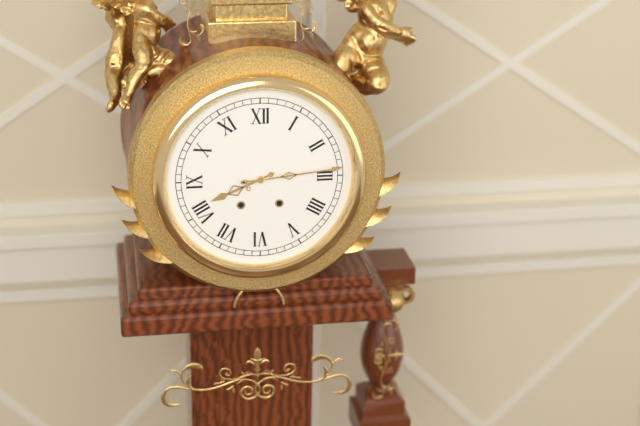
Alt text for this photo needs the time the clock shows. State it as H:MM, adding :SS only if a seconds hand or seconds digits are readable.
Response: 8:14
